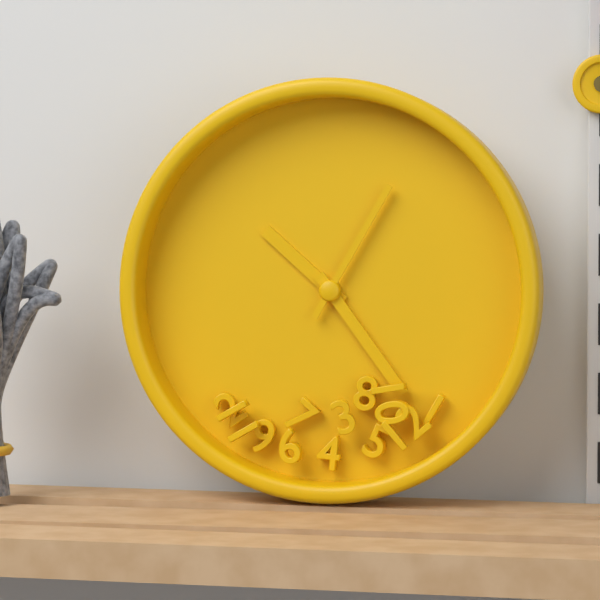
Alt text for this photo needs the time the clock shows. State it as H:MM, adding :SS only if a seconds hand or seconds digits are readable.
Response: 10:24:05
